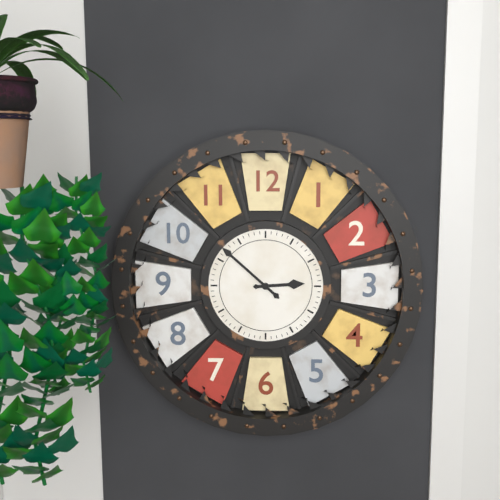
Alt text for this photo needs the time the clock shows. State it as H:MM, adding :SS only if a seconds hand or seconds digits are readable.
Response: 2:52
